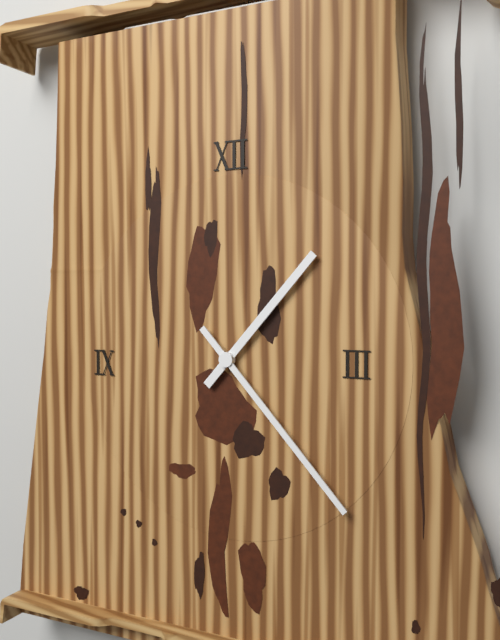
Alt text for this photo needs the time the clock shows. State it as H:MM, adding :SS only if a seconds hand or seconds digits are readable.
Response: 1:23
